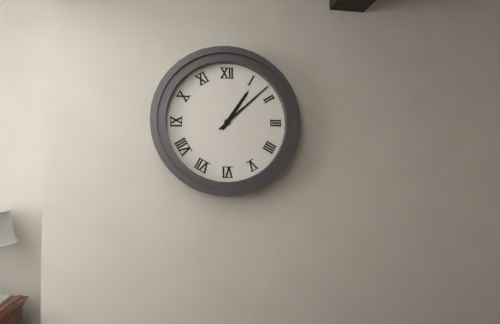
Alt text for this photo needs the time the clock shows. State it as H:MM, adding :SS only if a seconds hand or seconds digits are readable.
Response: 1:08
